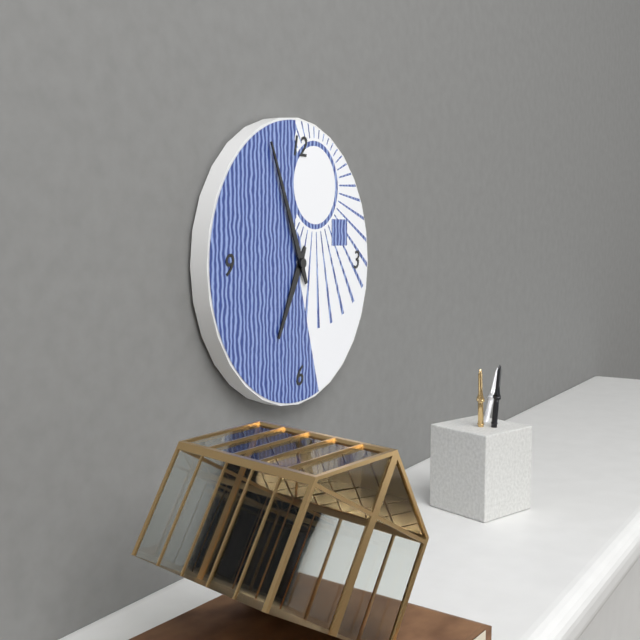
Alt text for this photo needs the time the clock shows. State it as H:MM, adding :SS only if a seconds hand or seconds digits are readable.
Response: 6:56
